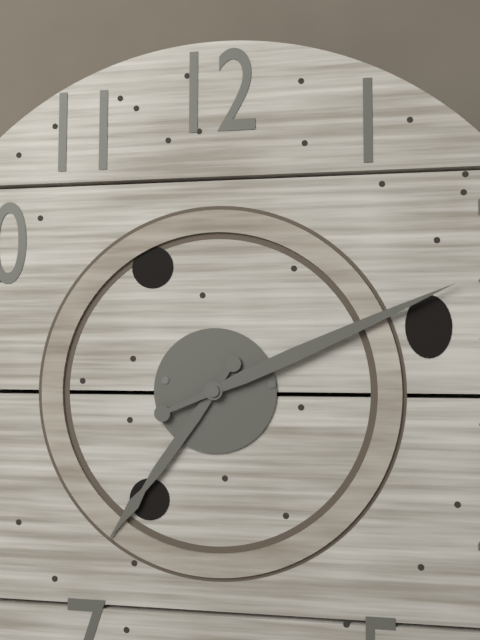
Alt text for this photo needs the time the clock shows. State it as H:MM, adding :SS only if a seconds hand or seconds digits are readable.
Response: 7:11
